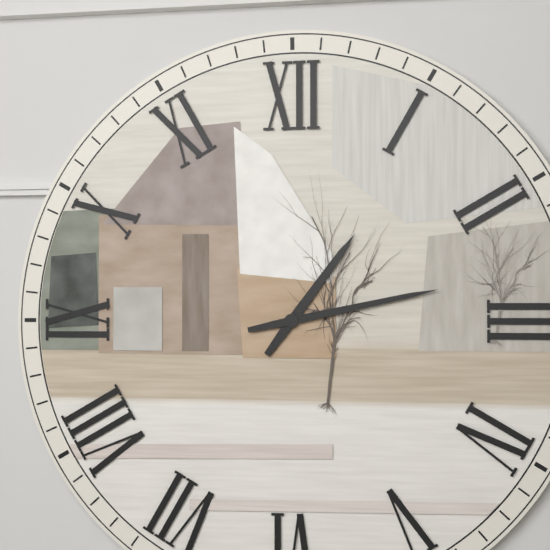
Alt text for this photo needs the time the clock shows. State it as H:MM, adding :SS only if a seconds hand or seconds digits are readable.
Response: 1:13
